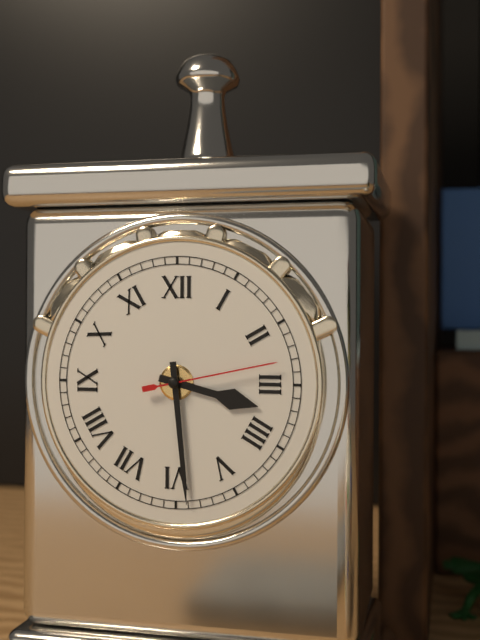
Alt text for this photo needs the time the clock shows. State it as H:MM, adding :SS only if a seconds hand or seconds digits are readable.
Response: 3:29:13
